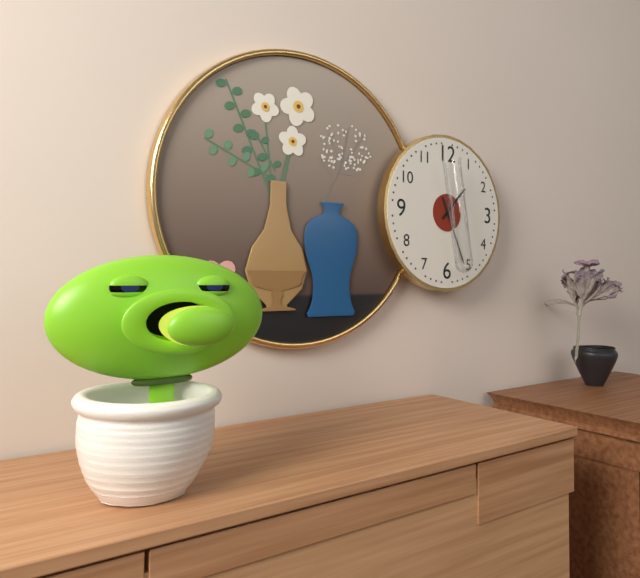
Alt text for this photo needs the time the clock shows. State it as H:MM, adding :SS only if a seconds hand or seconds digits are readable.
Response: 1:26
